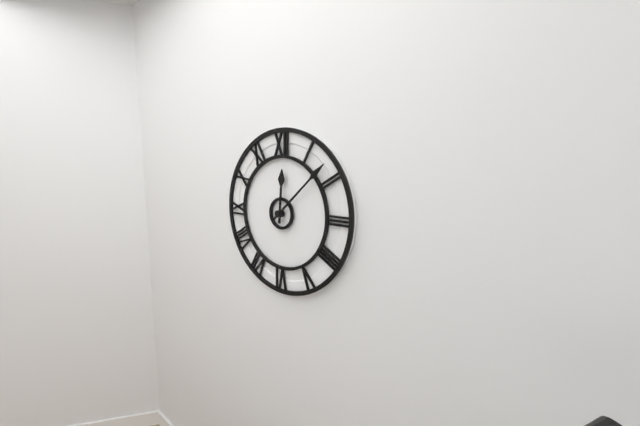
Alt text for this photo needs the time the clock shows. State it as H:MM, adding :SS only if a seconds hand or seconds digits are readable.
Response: 12:08
